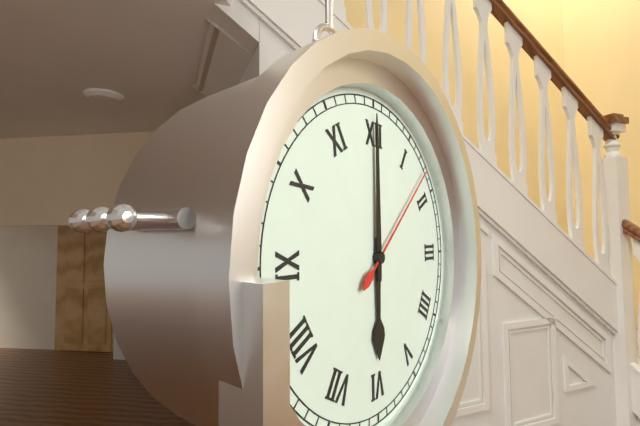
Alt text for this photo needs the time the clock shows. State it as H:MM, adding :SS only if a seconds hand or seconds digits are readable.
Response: 6:00:08
